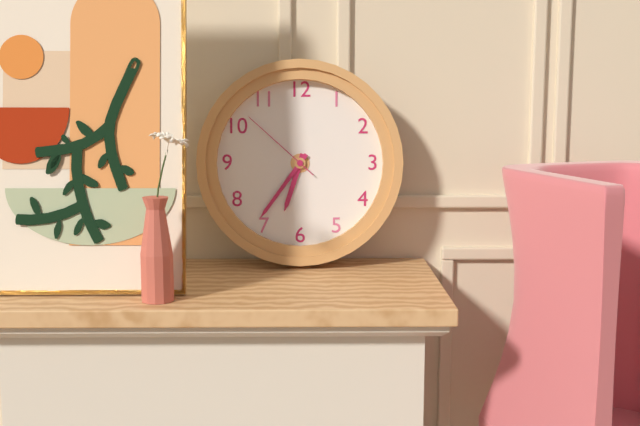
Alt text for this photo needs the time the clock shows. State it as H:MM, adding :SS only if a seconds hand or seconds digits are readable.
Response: 6:36:52
